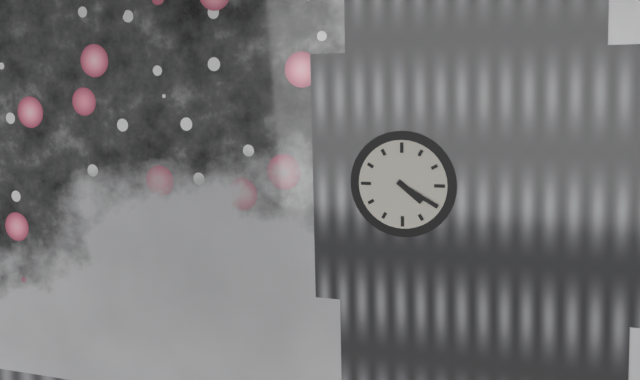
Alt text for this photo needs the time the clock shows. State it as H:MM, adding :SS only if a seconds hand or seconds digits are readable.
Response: 4:20
